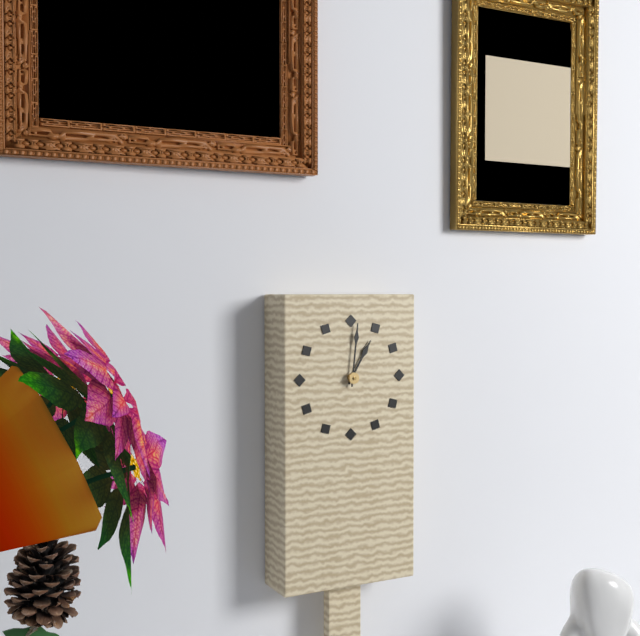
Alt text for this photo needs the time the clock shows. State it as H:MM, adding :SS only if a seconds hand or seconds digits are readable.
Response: 1:01
